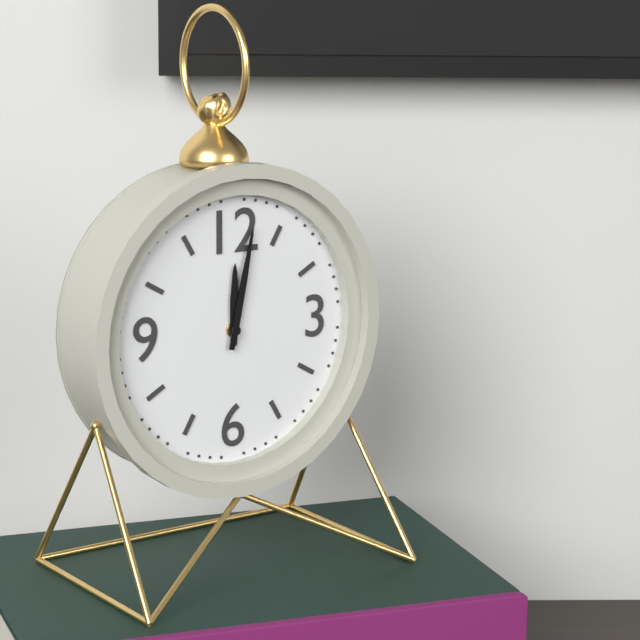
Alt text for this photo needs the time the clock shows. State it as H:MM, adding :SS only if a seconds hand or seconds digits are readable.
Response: 12:02
